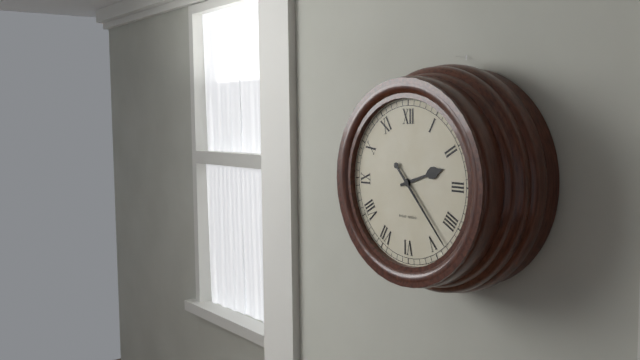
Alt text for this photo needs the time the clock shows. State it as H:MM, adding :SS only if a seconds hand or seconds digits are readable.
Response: 2:23
